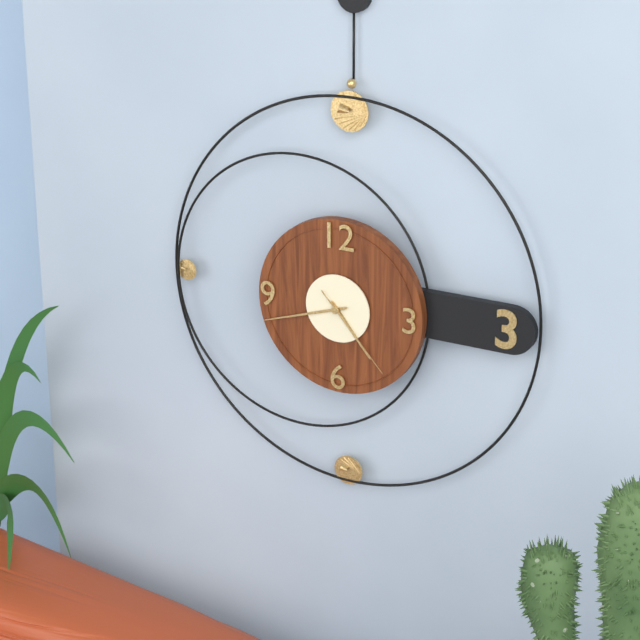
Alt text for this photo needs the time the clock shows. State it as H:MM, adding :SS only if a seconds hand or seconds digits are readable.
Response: 4:42:23
